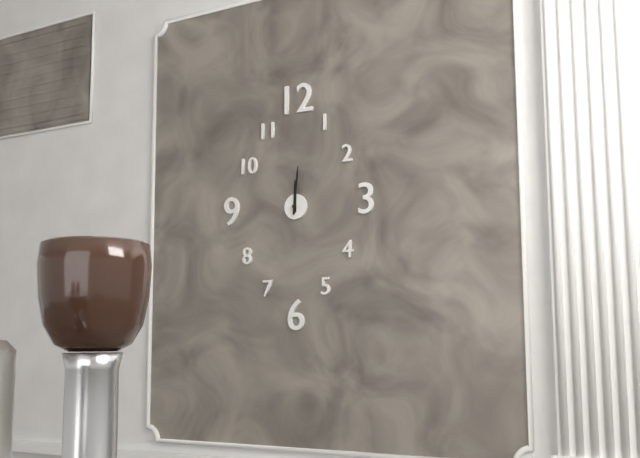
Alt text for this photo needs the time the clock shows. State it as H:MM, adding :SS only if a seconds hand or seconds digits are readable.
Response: 12:01
